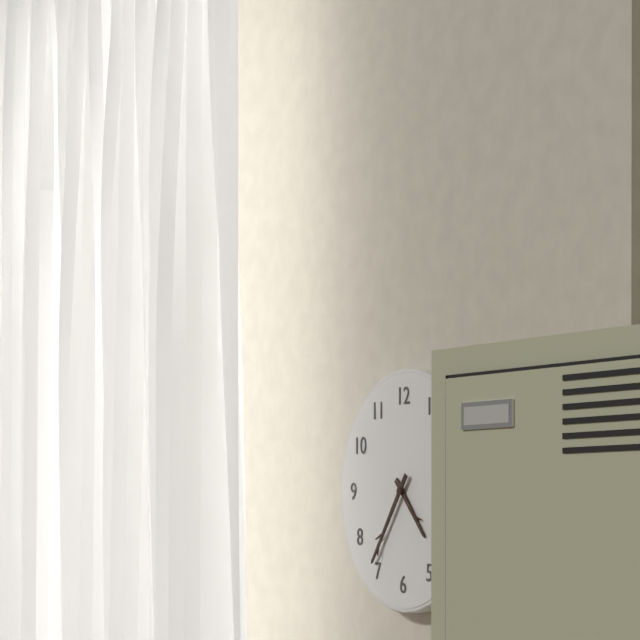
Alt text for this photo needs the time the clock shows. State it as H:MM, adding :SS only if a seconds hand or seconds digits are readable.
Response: 4:36
